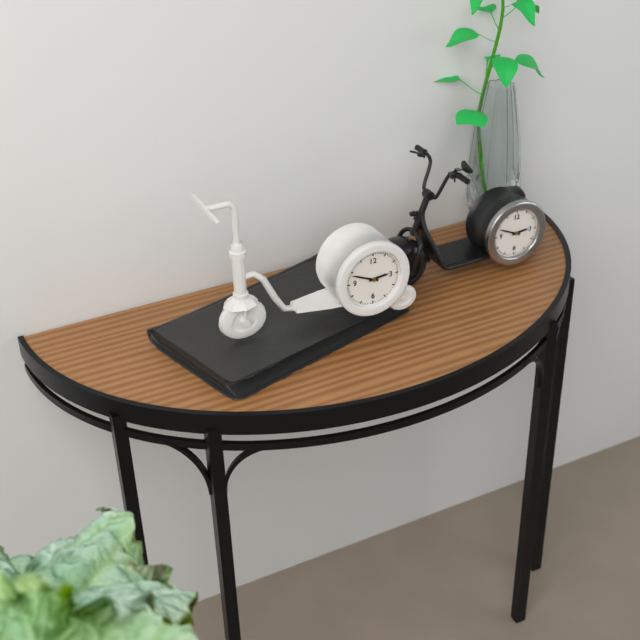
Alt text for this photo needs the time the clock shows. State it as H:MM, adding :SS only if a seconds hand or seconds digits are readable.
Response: 2:49
